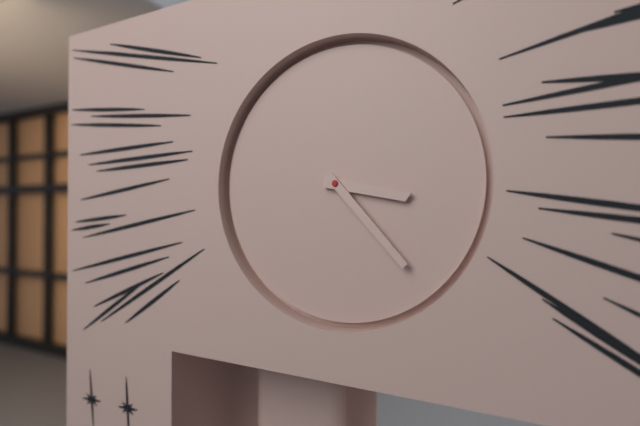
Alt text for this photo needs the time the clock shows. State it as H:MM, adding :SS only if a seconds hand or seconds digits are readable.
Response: 3:23
